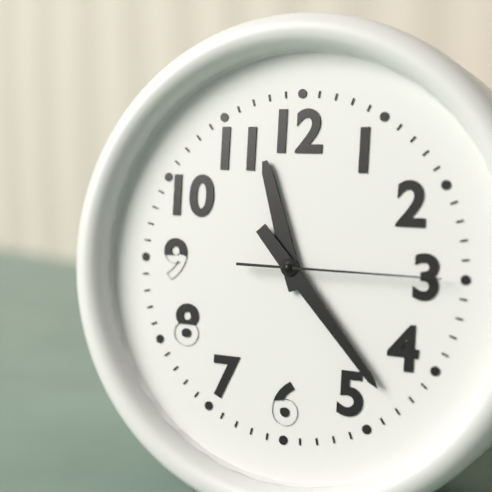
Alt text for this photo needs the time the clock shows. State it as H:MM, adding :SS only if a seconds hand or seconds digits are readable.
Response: 11:23:15
